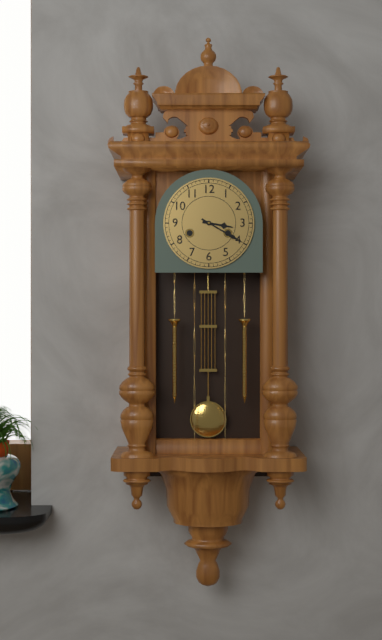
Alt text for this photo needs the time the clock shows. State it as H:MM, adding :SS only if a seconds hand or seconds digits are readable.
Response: 3:20
